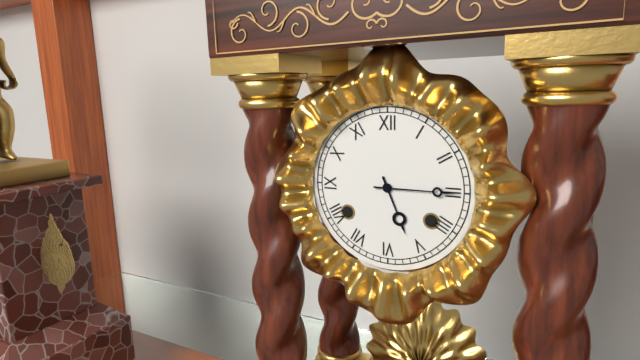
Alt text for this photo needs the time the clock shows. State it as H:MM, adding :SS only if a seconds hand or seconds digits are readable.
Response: 5:15
